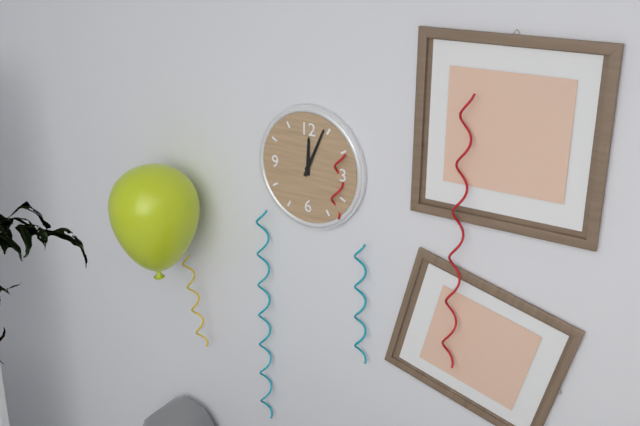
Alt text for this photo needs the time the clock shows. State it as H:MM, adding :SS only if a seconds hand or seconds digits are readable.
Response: 12:04
